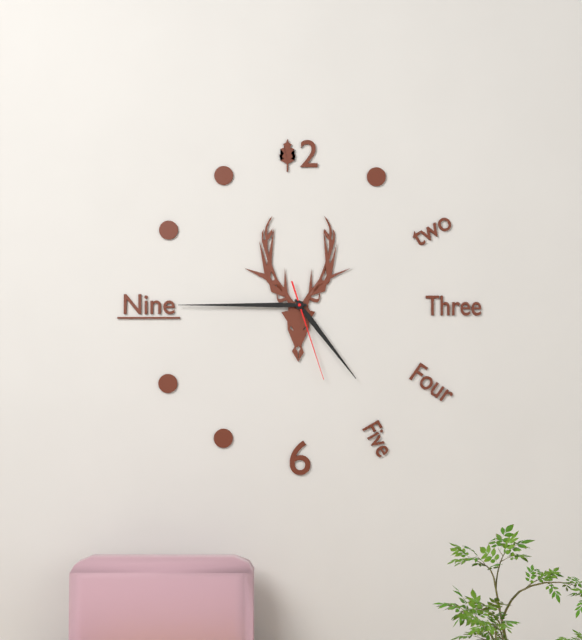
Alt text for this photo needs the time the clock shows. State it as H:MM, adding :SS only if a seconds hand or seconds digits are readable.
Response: 4:45:27
